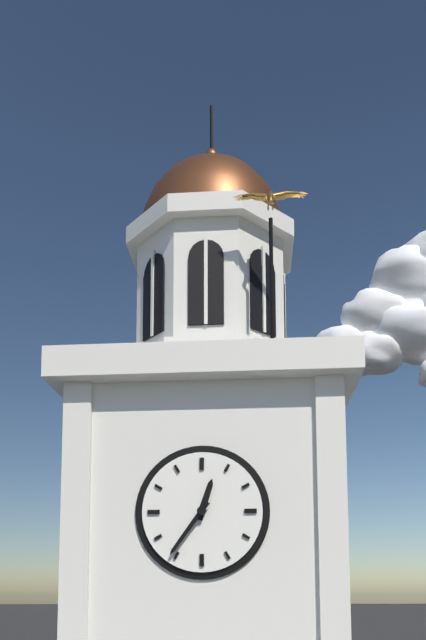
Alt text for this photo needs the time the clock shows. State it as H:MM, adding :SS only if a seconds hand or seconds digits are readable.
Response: 12:36
